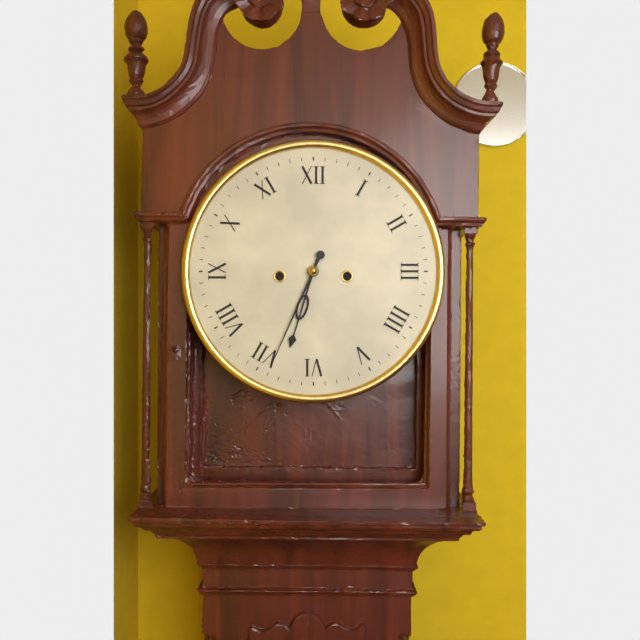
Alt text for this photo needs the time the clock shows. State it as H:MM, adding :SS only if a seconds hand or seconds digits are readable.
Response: 6:34
